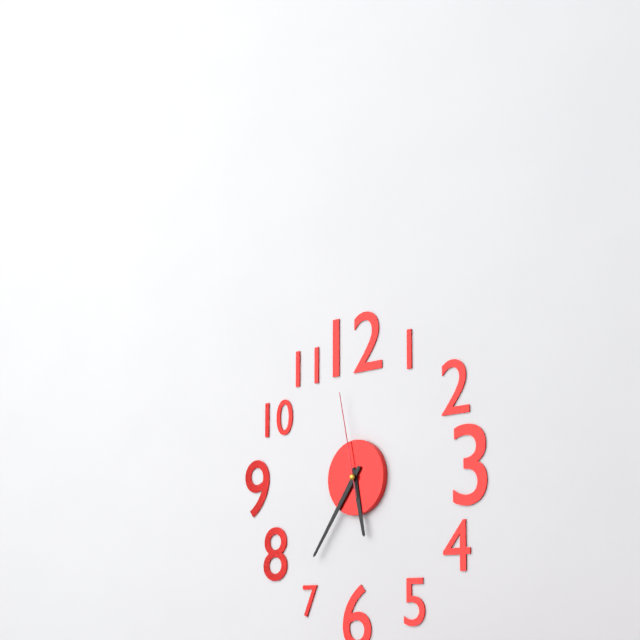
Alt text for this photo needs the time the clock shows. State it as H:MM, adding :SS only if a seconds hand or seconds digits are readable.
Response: 5:36:58
